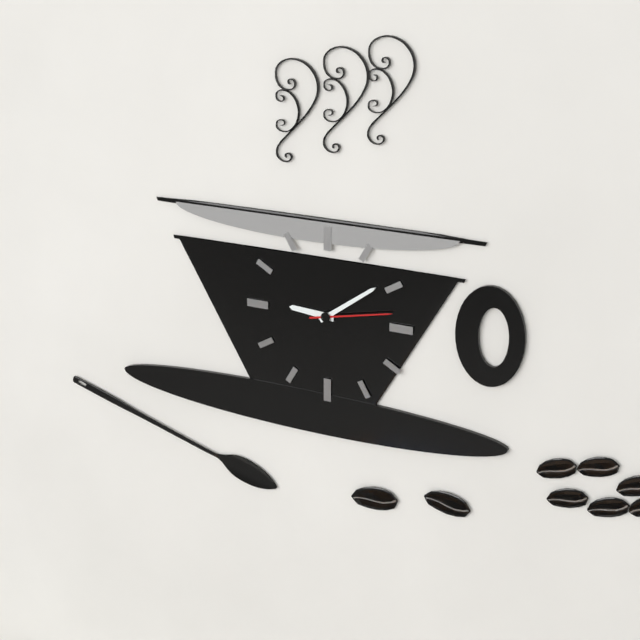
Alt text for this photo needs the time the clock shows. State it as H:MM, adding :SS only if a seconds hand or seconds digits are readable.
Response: 9:09:13
